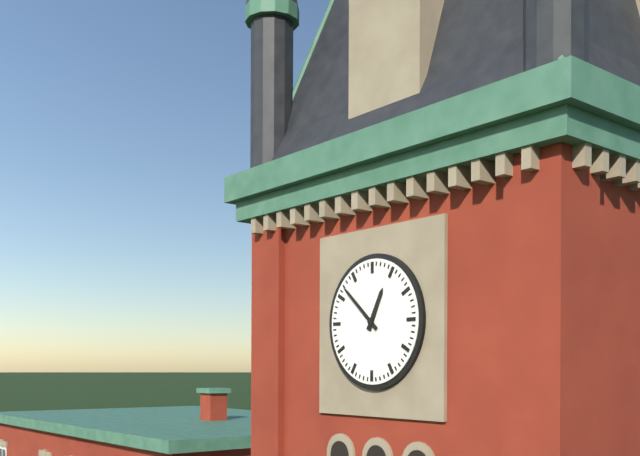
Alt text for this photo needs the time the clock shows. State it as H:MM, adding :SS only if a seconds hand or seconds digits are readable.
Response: 12:52
